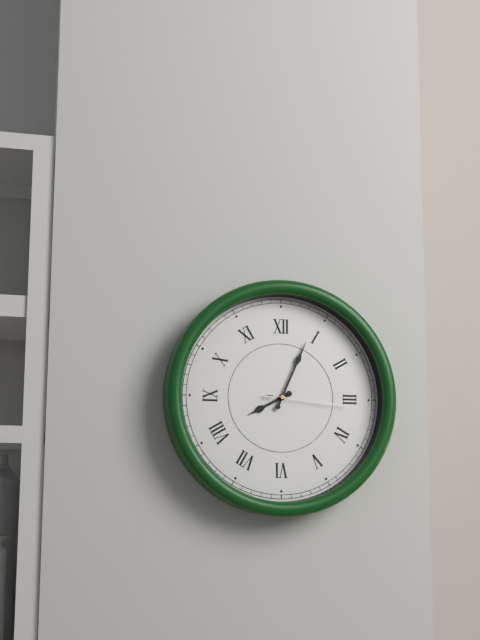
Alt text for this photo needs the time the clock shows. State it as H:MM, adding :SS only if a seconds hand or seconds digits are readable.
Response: 8:04:16
